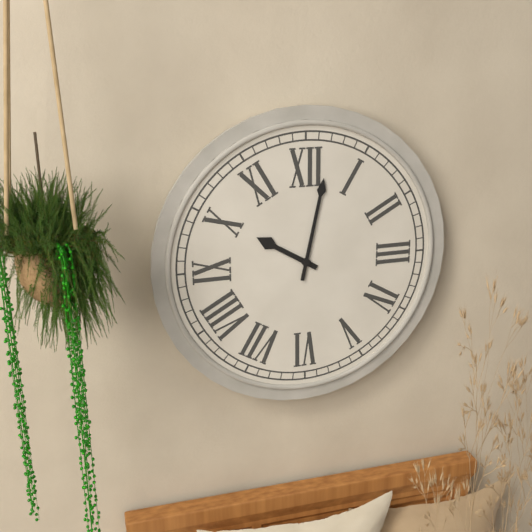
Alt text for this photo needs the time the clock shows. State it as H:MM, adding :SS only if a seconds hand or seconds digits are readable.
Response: 10:02
